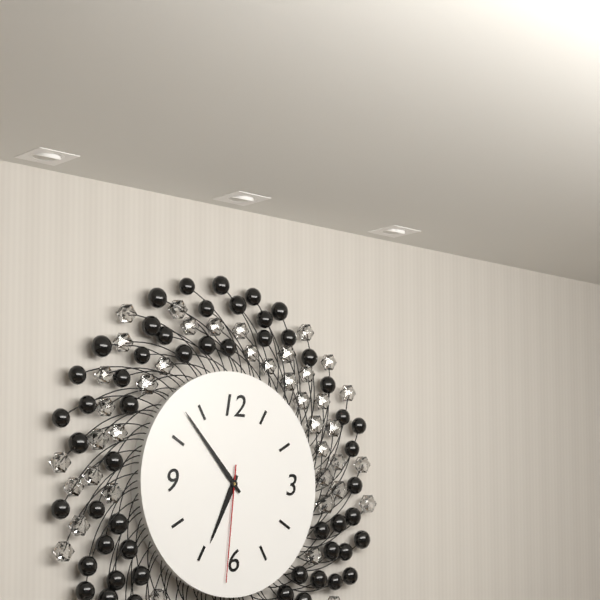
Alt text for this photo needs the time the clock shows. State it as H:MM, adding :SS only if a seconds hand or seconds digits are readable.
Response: 6:53:31
